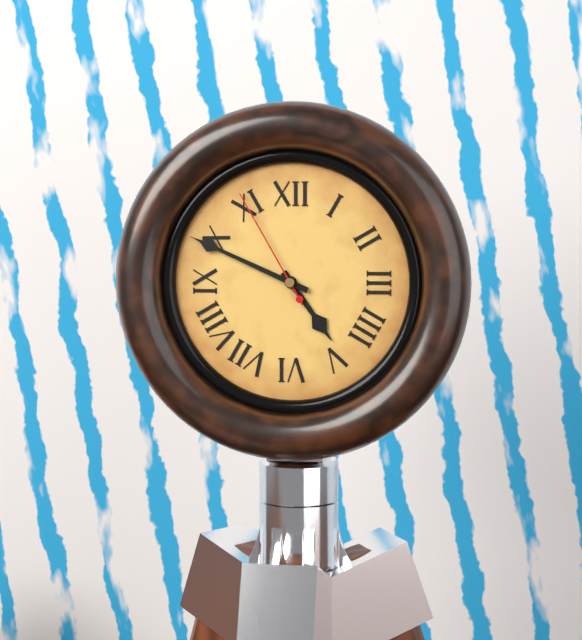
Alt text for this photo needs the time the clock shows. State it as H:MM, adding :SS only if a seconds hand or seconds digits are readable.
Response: 4:49:55
